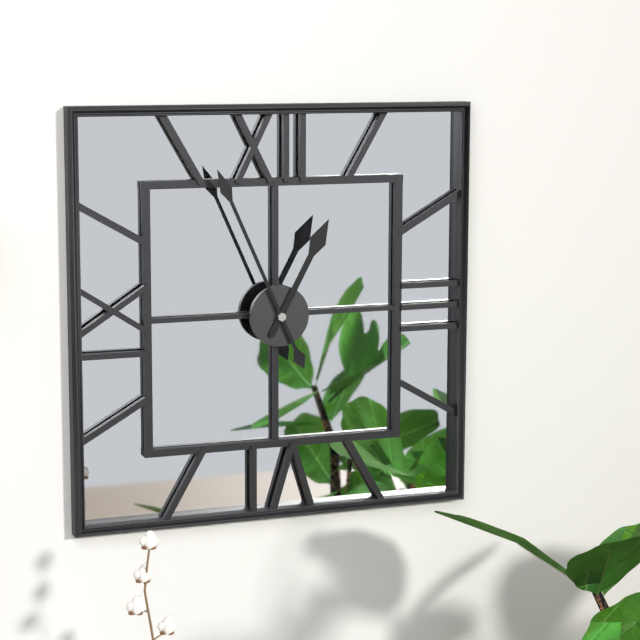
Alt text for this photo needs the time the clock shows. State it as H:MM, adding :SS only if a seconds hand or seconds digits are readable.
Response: 12:56
